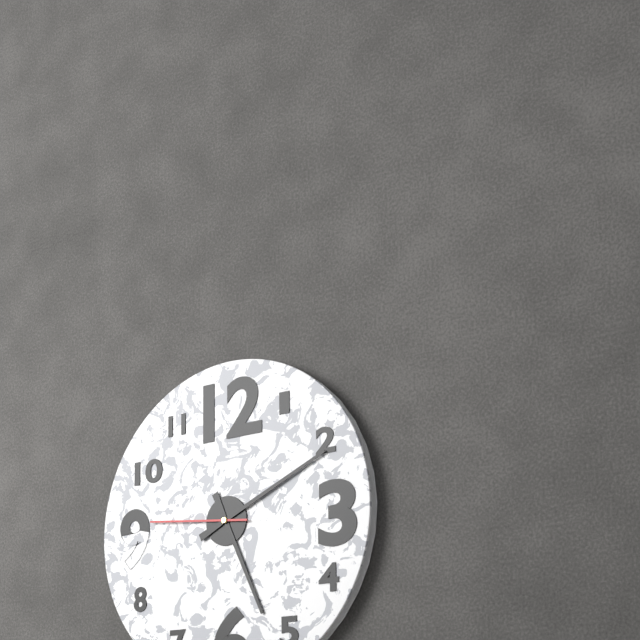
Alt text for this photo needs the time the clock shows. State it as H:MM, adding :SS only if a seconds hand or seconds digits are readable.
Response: 5:11:46
